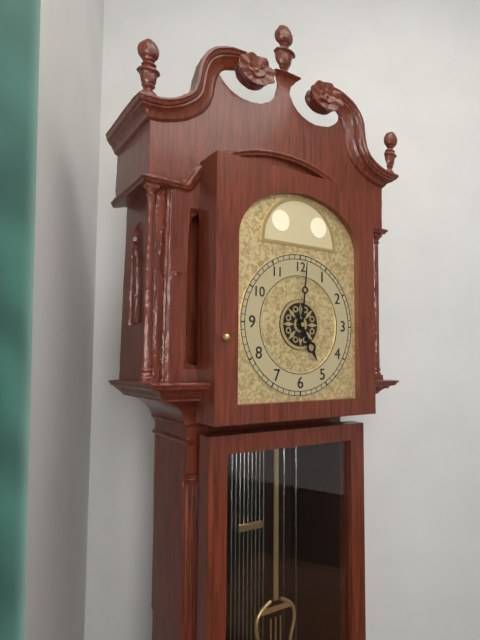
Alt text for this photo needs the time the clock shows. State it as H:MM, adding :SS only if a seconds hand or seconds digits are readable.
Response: 5:01
